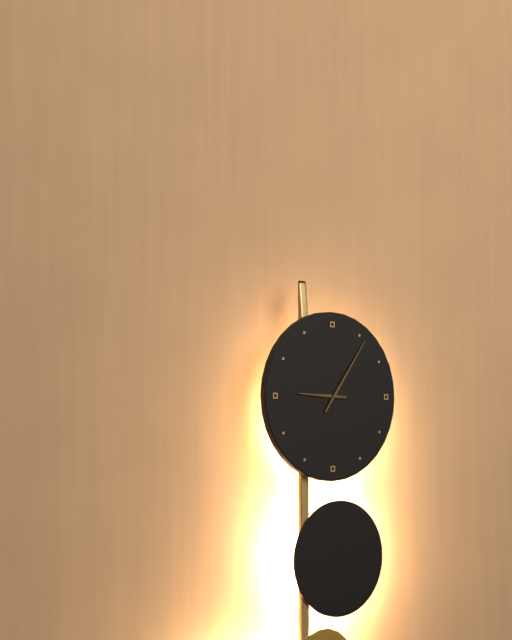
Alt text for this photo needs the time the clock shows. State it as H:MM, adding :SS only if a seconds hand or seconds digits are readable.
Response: 9:06
